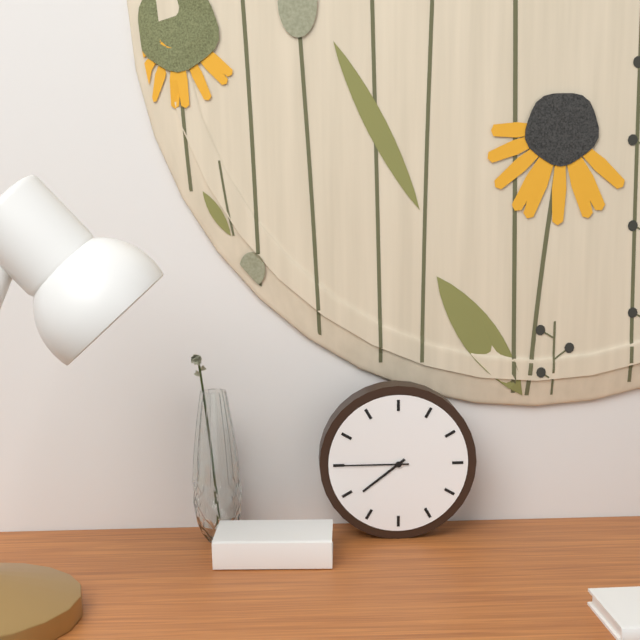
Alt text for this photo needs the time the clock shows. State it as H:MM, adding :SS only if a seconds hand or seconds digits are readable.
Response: 7:45
